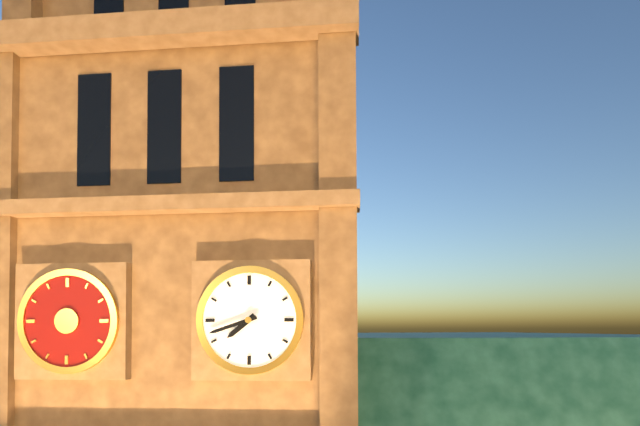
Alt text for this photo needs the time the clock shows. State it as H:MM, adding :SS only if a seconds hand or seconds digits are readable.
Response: 7:42
